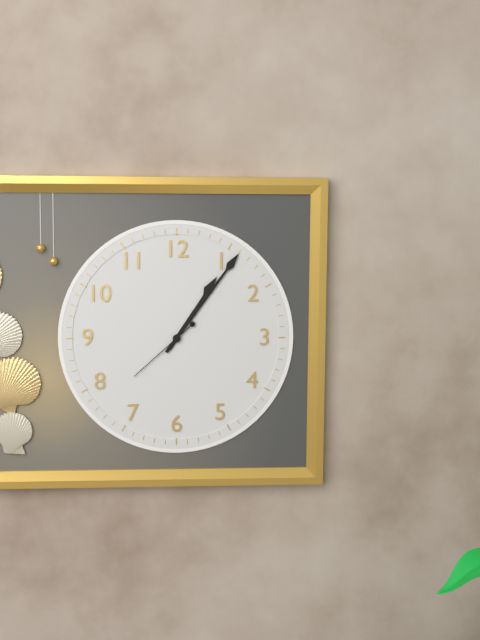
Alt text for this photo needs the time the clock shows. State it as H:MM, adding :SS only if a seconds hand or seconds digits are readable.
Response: 1:06:38
